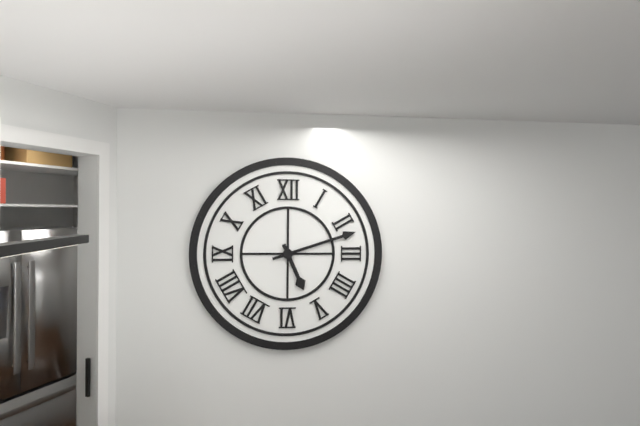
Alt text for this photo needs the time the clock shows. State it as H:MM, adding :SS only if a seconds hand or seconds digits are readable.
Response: 5:12
